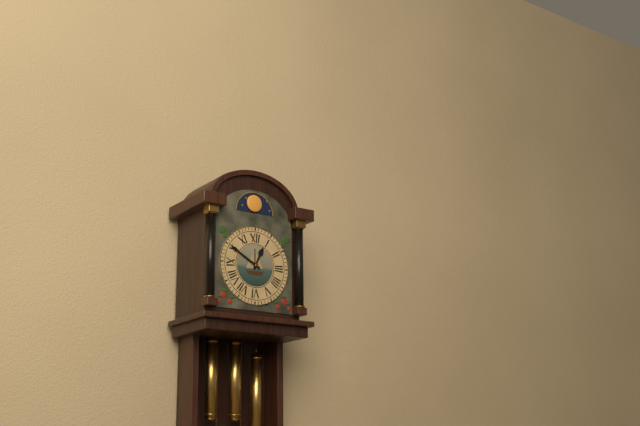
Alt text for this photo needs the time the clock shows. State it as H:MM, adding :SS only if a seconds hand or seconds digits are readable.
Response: 12:50
